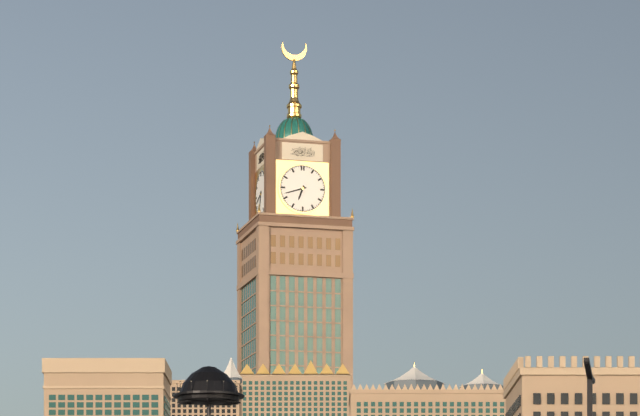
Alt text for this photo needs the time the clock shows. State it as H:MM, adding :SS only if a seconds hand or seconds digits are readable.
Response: 6:42
